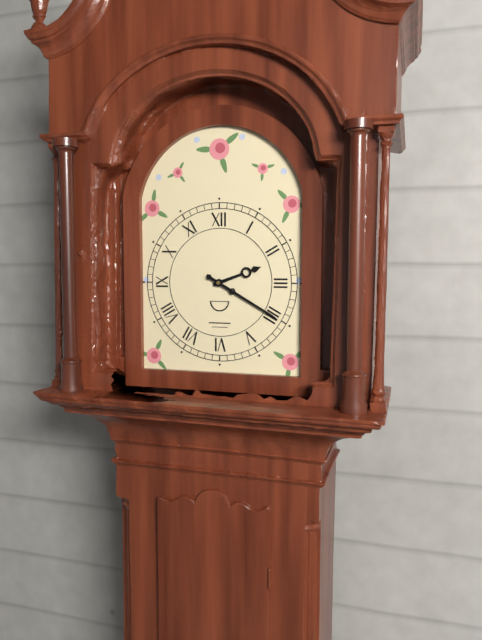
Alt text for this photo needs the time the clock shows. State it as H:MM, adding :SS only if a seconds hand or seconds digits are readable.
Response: 2:20
